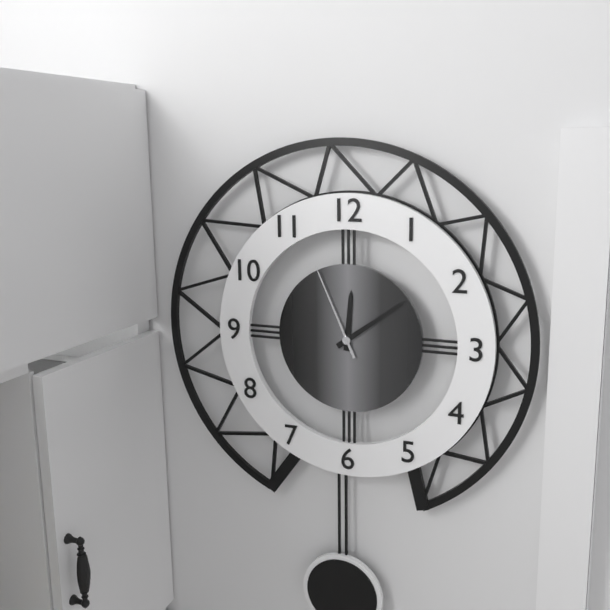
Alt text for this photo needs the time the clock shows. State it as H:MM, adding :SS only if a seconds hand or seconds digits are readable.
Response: 12:09:56
